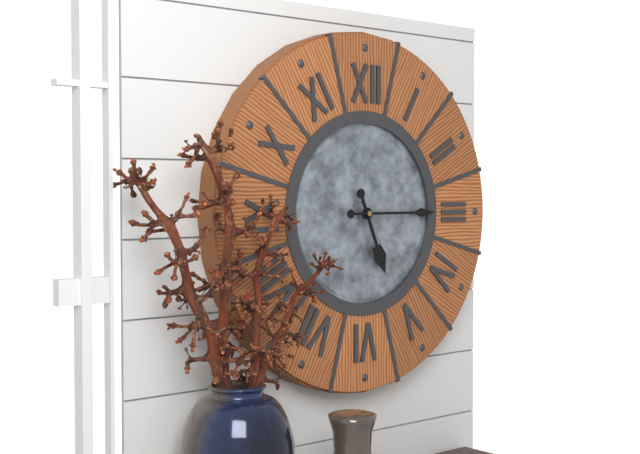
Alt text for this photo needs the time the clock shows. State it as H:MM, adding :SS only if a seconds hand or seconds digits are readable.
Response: 5:15
